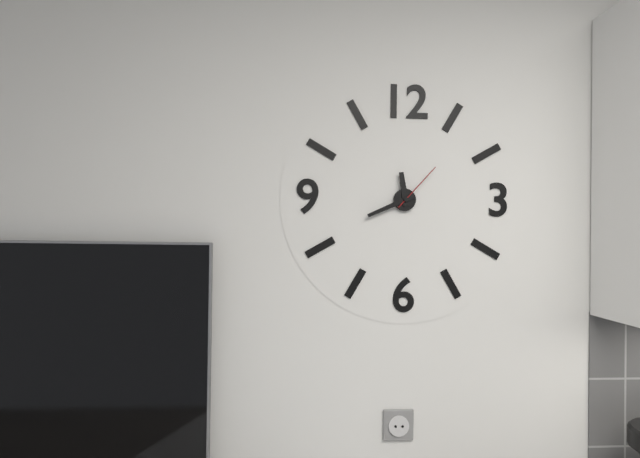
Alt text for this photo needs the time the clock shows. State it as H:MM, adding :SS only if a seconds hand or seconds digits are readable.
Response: 11:41:07
